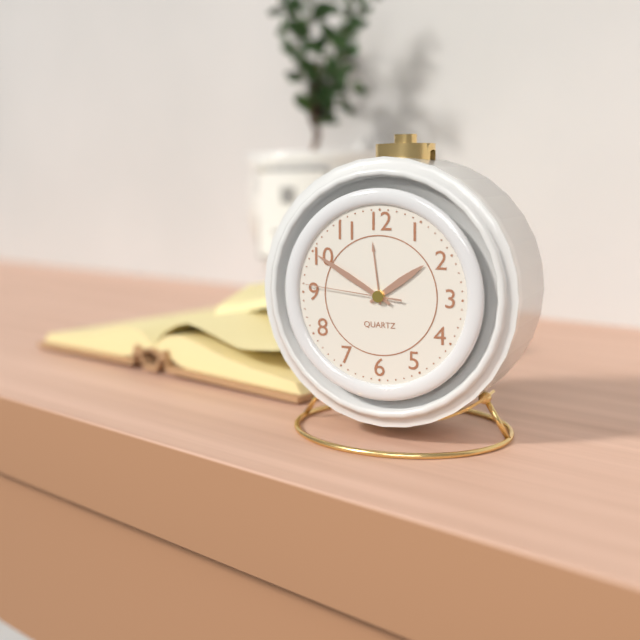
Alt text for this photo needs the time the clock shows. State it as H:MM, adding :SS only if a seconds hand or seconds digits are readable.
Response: 1:50:46
